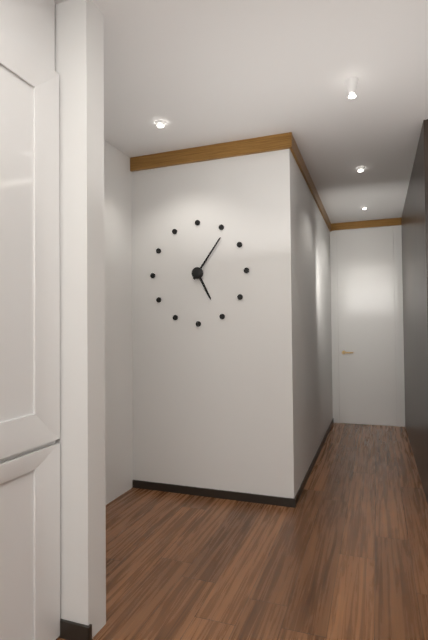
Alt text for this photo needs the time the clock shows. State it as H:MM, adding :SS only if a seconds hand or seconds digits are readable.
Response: 5:06
